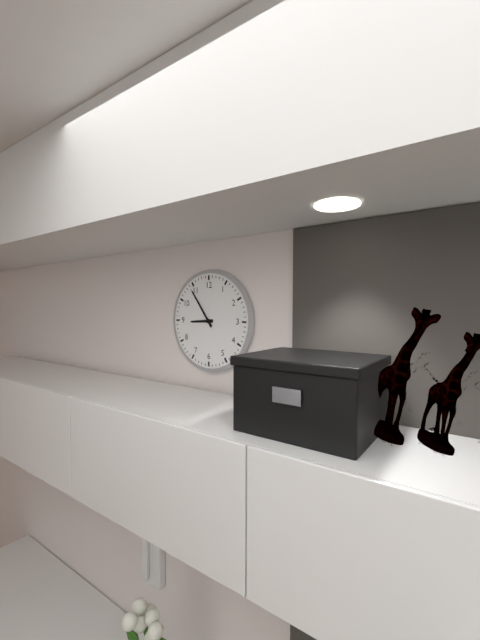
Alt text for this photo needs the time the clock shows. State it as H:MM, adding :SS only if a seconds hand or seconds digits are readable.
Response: 8:54
